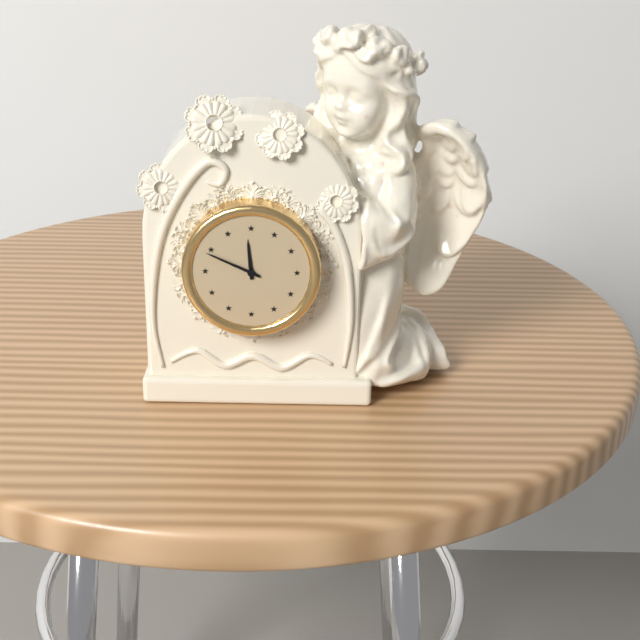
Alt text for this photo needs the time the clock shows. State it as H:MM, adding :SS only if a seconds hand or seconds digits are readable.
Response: 11:49
